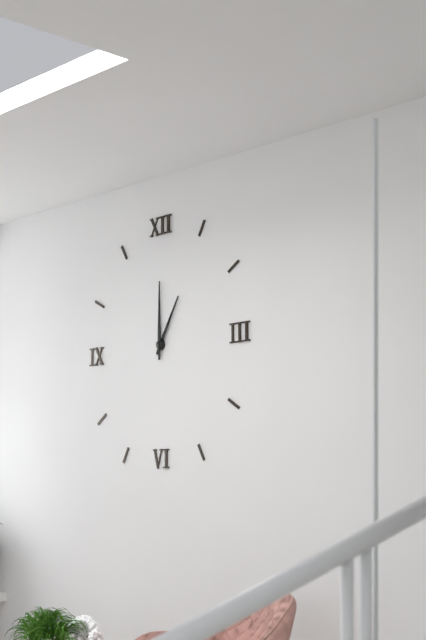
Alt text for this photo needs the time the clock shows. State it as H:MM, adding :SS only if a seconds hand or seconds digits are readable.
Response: 1:00
